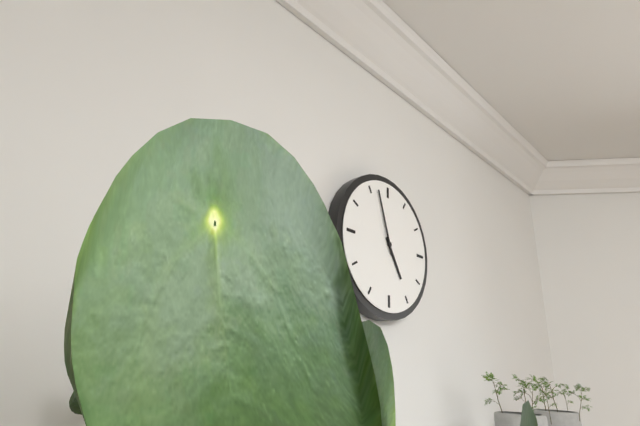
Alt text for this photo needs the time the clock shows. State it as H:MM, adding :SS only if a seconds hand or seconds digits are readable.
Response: 4:57
